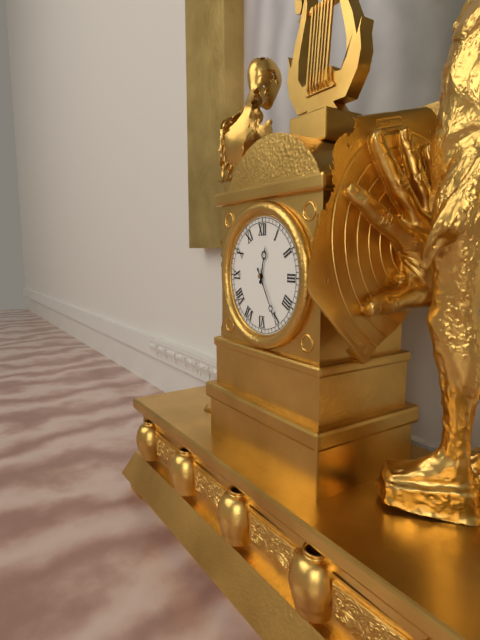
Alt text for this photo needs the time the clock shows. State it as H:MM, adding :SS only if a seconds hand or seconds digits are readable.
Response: 12:25
